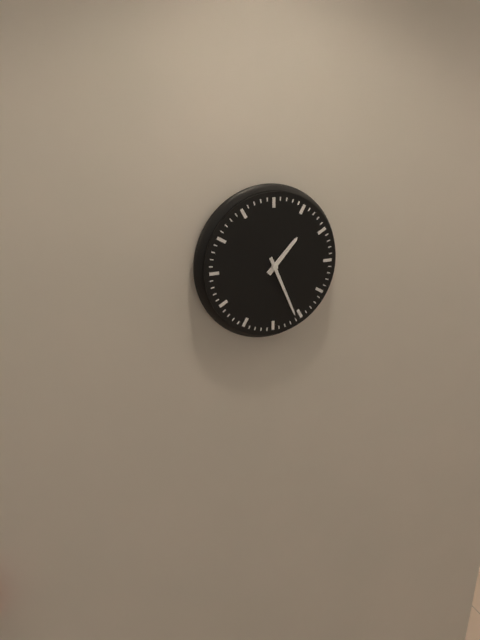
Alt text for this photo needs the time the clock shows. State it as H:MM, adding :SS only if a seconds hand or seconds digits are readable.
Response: 1:26
